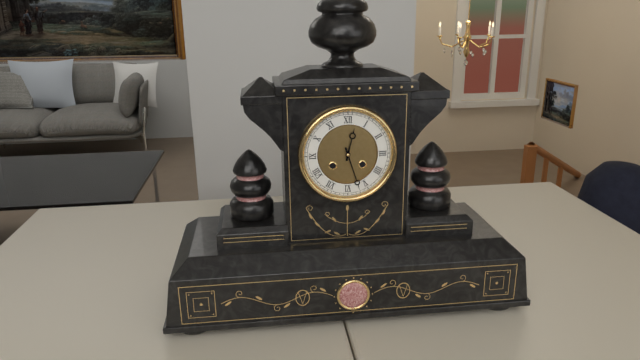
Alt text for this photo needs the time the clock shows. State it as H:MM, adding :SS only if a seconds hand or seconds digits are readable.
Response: 12:27
